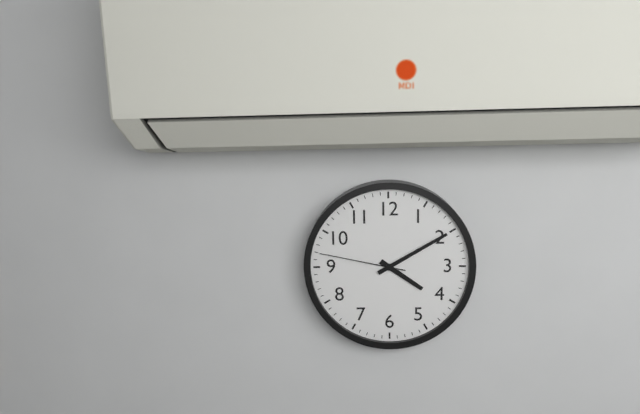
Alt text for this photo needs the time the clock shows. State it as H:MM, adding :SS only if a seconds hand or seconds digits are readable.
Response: 4:10:47
